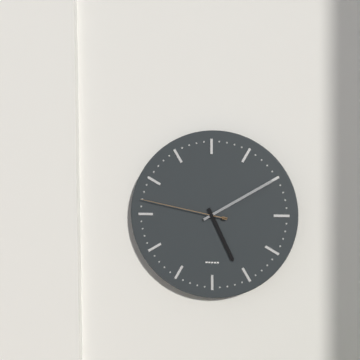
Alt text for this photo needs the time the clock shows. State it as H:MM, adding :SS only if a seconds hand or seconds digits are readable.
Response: 5:10:47
